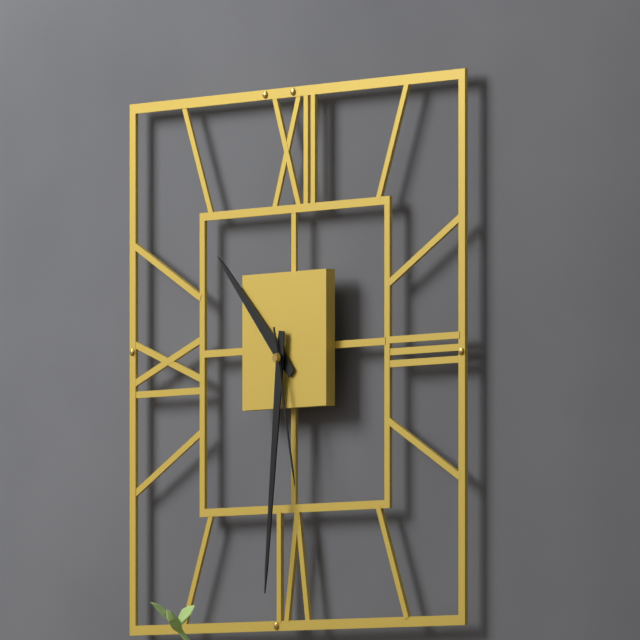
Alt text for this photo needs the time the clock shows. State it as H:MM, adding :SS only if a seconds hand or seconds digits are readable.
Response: 10:31:28
